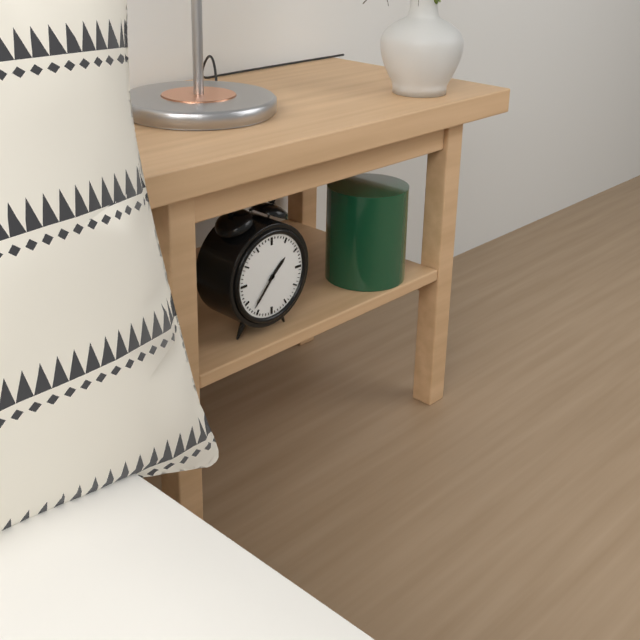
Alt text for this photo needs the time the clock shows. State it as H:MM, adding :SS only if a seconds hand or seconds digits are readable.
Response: 1:37
